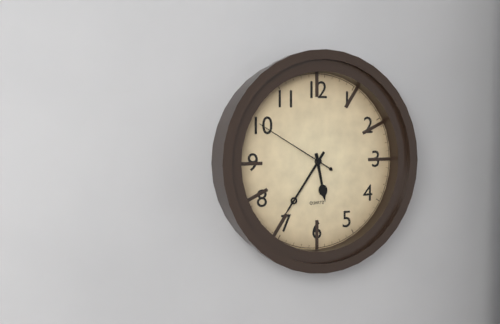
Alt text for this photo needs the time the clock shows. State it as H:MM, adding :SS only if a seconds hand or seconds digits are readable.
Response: 5:36:50
